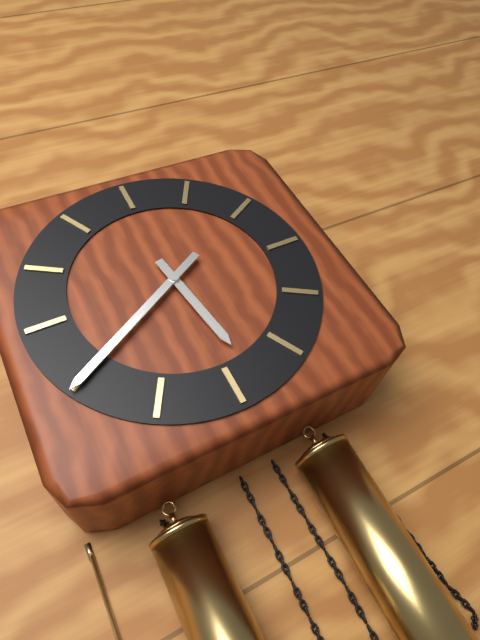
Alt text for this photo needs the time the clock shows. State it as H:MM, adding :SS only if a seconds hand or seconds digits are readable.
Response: 5:40
